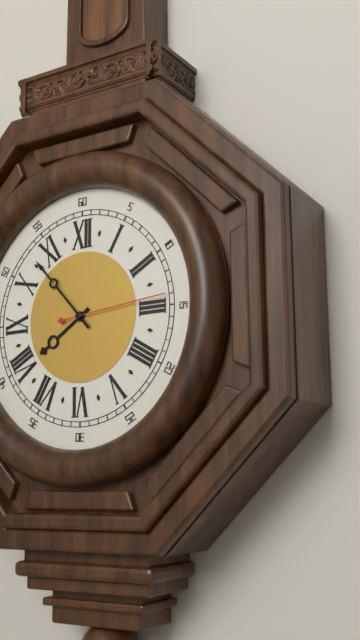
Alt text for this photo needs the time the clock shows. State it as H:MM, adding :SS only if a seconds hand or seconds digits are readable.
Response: 7:53:14
